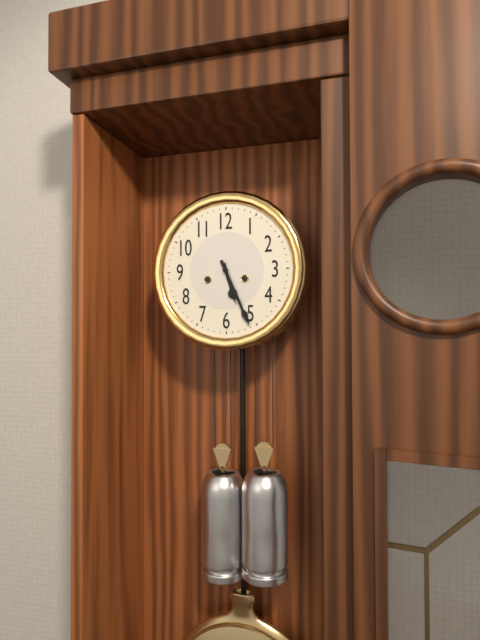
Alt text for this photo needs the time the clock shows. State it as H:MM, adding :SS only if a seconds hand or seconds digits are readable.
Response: 5:26
